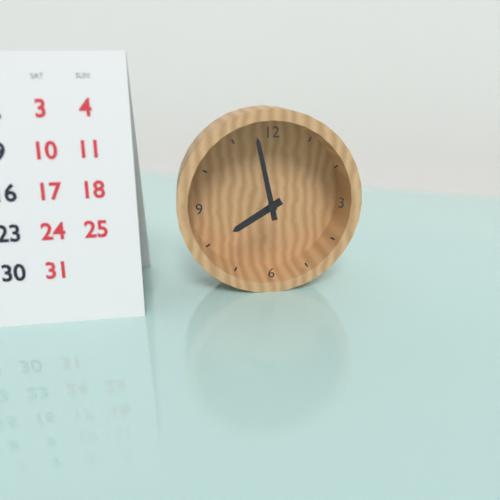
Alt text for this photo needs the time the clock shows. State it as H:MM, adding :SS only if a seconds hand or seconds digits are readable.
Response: 7:58
